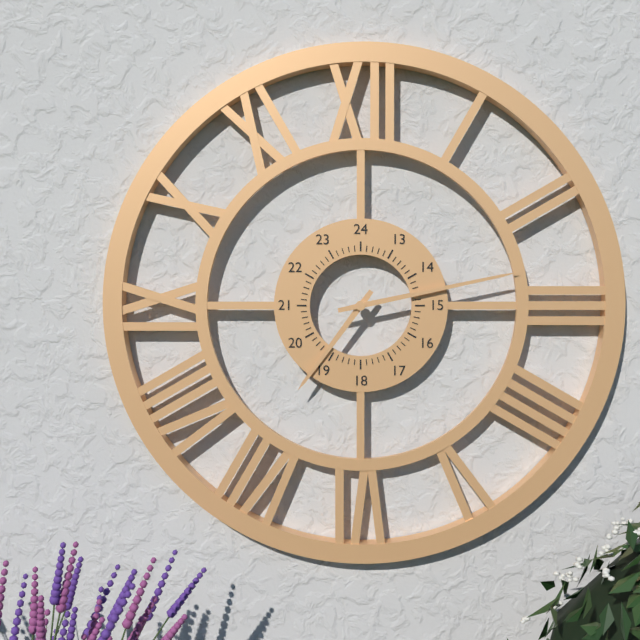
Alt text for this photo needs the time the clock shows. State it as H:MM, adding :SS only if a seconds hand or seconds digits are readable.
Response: 7:13
